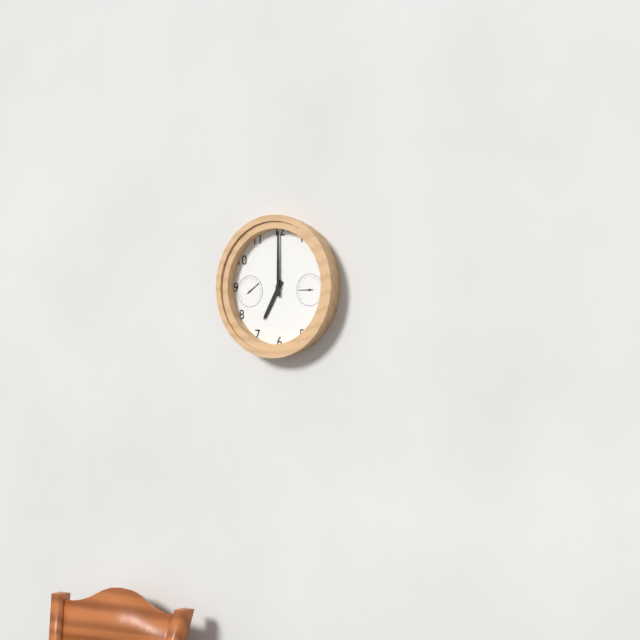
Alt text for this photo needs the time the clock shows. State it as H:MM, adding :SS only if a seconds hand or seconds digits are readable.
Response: 7:00
